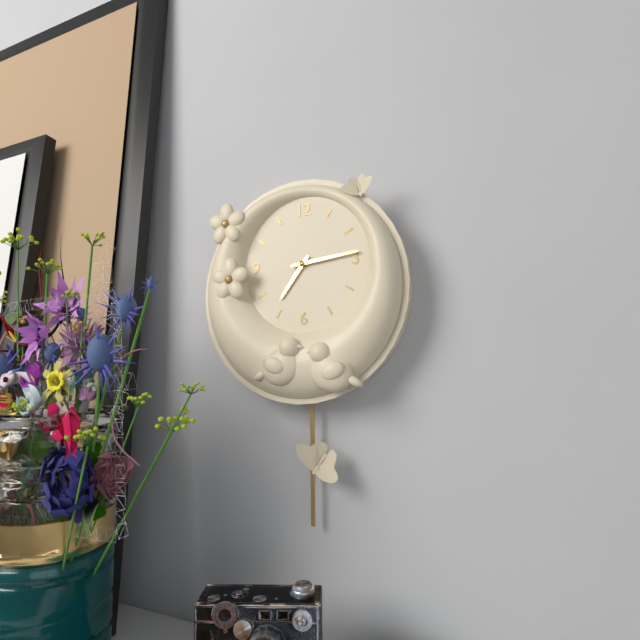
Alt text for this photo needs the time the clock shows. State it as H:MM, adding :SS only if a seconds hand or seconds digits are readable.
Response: 7:14
